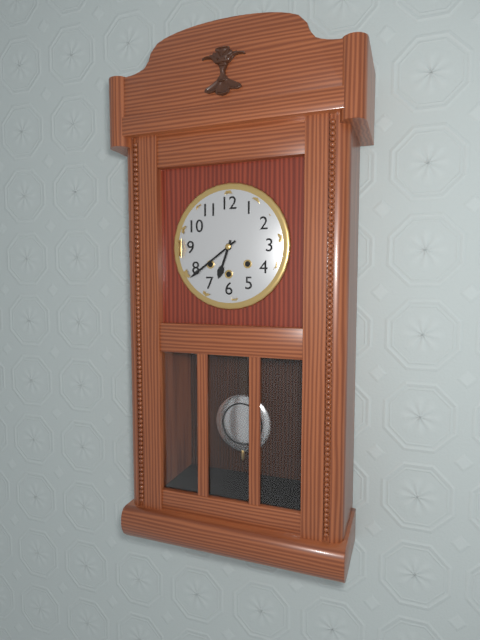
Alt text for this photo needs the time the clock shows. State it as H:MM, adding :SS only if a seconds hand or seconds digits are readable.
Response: 6:39
